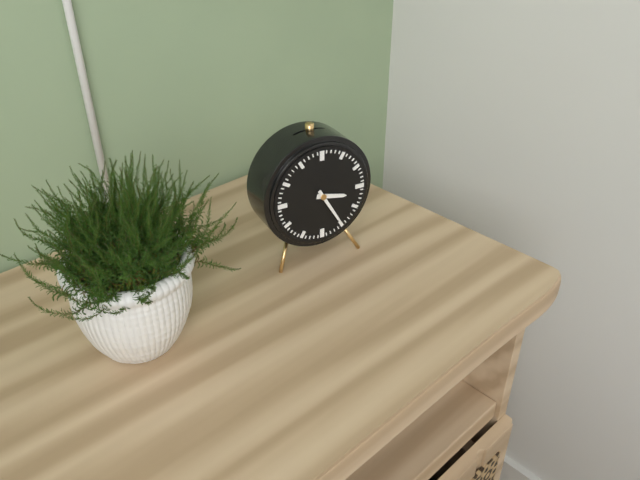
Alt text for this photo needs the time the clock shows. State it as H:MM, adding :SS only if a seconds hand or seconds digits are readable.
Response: 3:25
